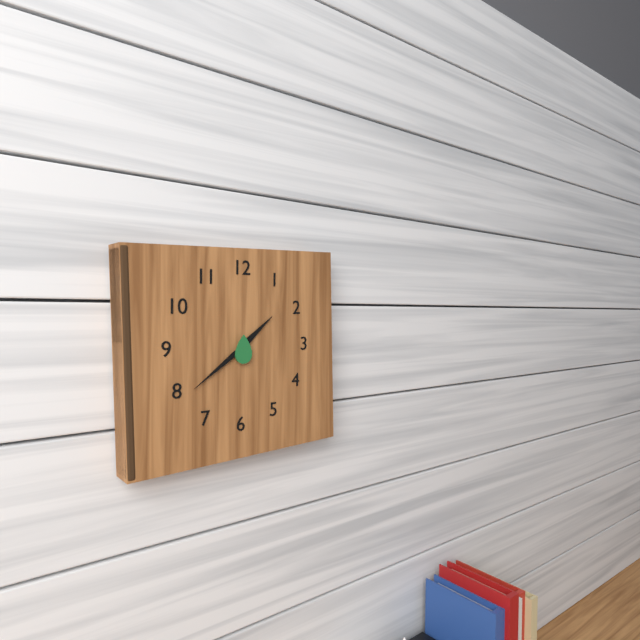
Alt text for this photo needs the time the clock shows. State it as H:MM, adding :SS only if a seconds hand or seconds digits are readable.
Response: 1:39
